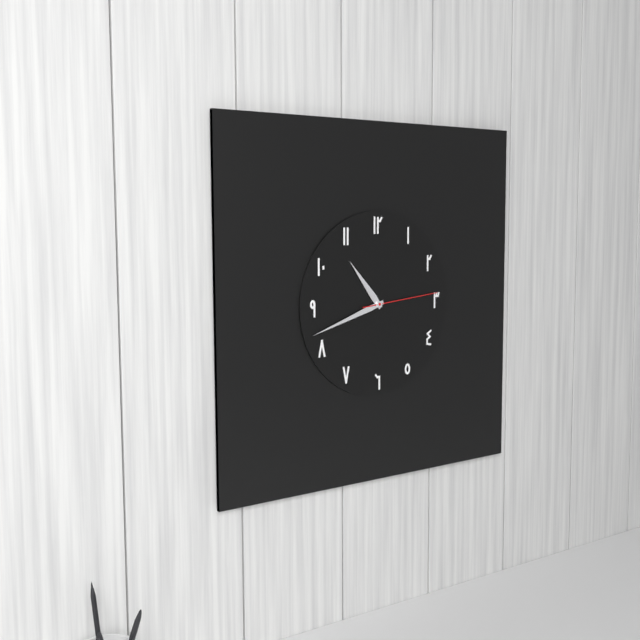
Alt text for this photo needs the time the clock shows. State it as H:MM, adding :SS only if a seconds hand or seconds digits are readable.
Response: 10:42:14
